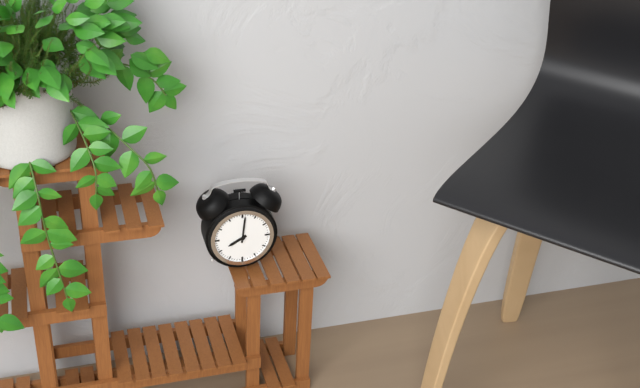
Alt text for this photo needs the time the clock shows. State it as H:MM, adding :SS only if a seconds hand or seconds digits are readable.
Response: 8:01
